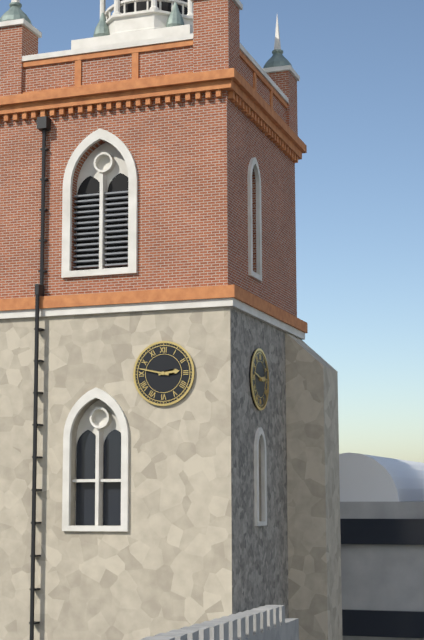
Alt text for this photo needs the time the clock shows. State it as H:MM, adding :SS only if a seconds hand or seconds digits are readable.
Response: 2:47
